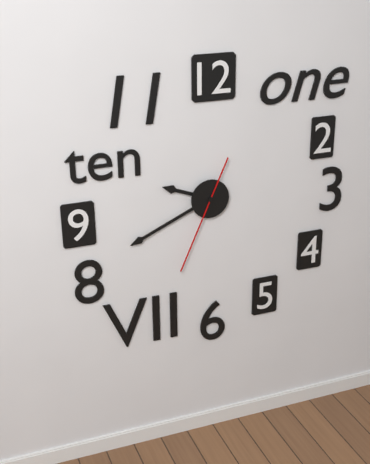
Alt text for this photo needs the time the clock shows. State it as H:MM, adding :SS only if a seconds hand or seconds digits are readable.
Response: 9:41:34
